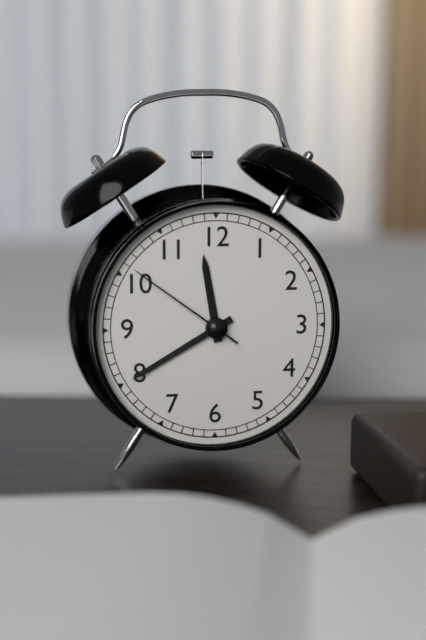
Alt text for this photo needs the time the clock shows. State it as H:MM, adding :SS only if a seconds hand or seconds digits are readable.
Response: 11:40:51
